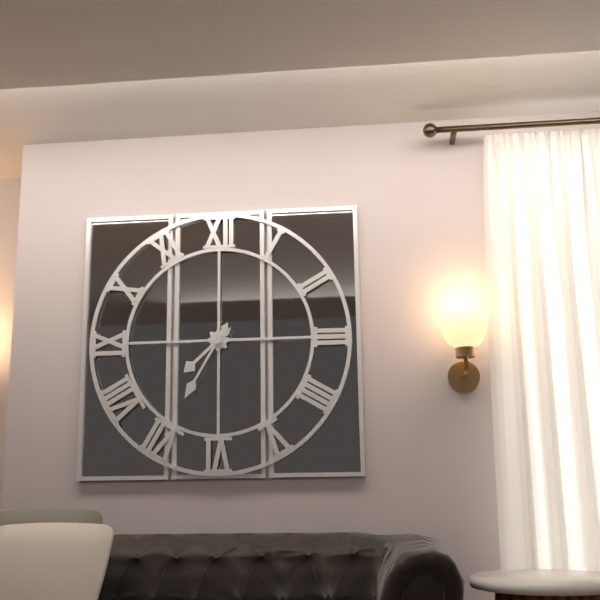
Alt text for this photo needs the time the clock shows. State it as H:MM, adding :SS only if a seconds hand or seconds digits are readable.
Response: 7:35
